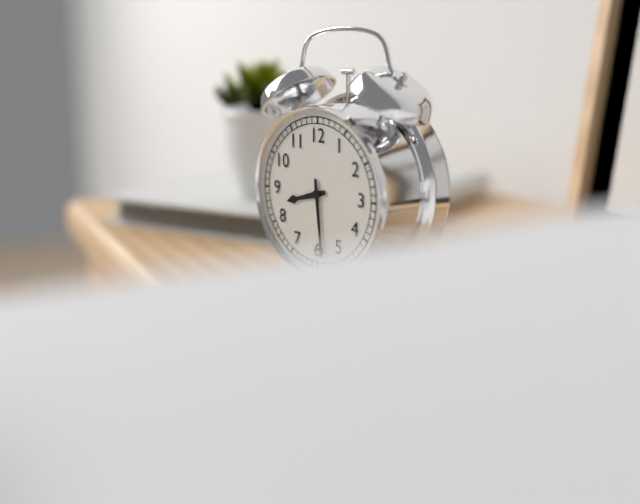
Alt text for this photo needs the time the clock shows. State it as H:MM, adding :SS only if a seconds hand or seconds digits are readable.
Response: 8:29
